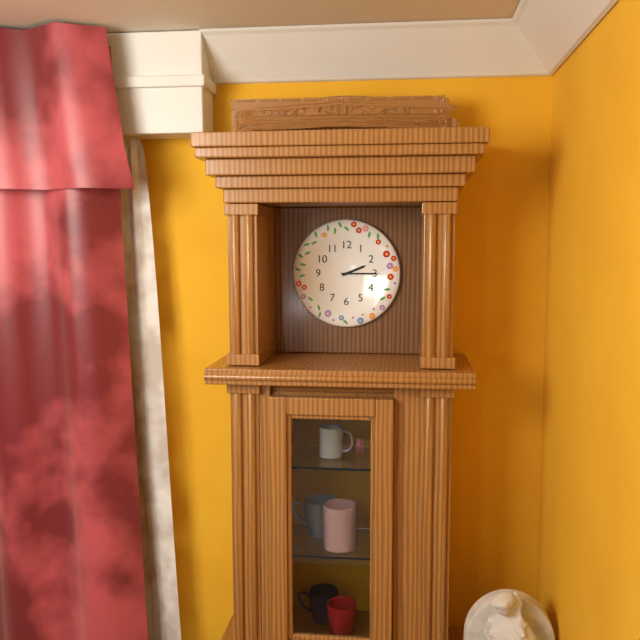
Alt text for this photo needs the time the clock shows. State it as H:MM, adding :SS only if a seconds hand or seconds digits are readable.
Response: 2:15
